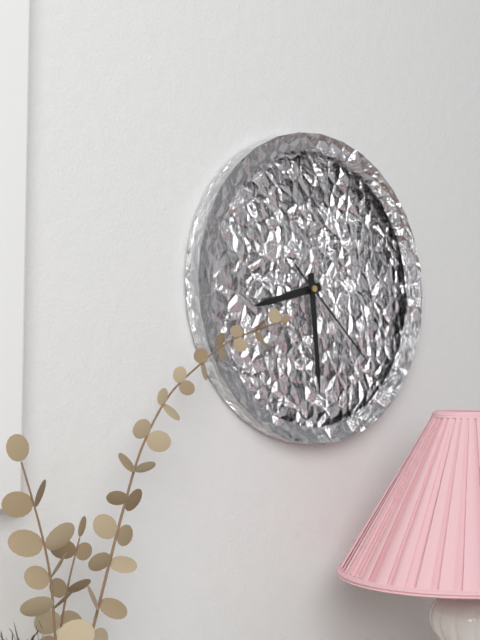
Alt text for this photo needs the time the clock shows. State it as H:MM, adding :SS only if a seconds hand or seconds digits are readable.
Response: 8:29:22
